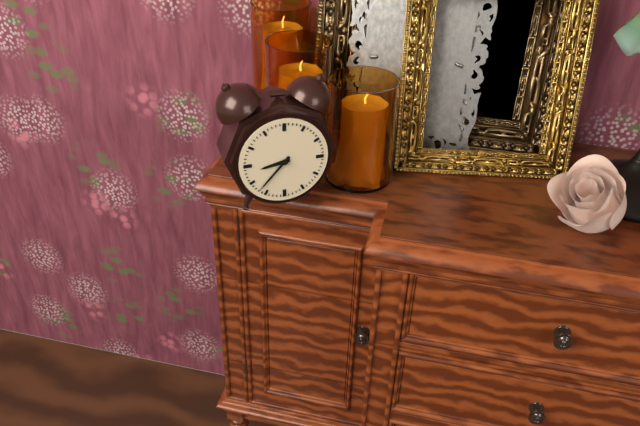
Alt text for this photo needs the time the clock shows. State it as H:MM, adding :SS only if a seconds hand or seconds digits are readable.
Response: 8:37
